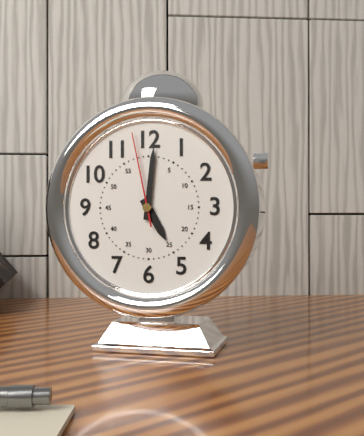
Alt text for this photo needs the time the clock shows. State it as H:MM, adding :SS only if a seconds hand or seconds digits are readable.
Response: 5:01:58
